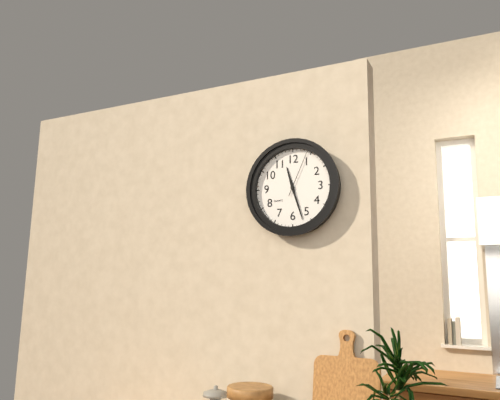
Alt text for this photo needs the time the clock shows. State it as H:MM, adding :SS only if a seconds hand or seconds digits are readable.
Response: 11:27
